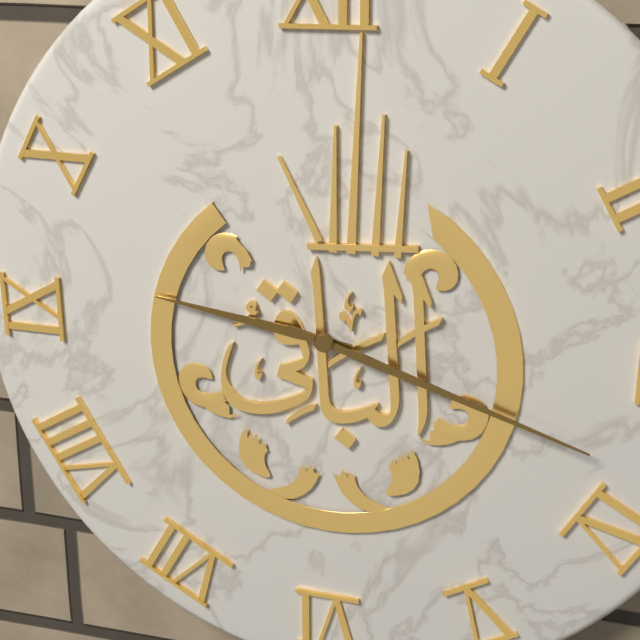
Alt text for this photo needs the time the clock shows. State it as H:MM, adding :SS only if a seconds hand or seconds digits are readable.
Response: 9:18
